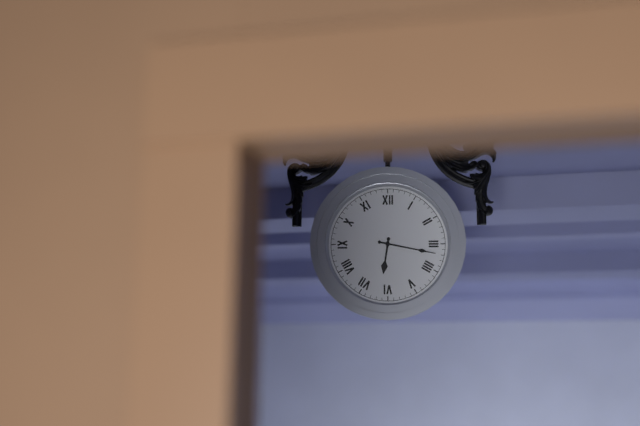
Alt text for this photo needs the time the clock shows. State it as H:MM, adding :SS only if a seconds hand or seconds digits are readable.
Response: 6:17
